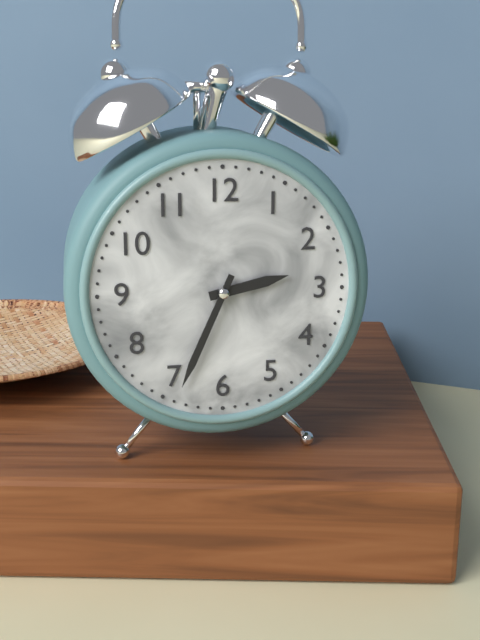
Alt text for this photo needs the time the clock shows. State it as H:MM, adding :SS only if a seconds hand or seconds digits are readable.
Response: 2:34
